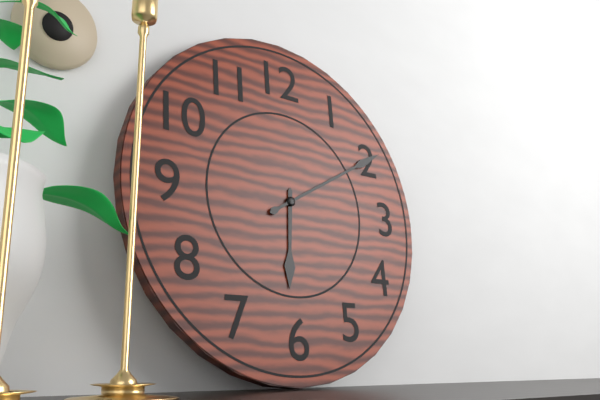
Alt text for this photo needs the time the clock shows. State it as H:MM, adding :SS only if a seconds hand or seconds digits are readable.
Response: 6:10
